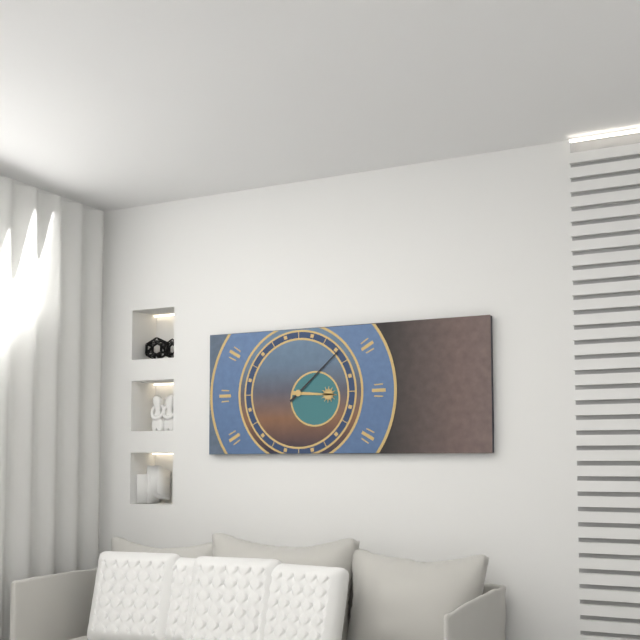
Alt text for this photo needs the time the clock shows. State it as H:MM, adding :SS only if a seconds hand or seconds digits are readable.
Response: 3:08
